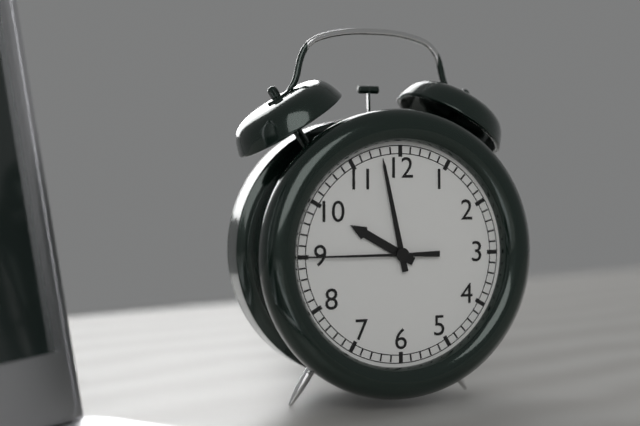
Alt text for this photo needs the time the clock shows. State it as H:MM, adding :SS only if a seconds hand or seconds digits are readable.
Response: 9:58:45
